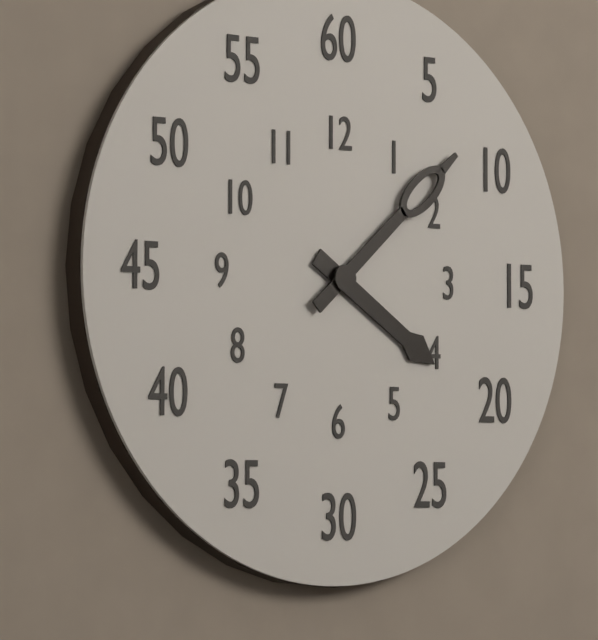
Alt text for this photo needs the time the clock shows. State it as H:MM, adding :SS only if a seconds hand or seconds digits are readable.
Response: 4:08
